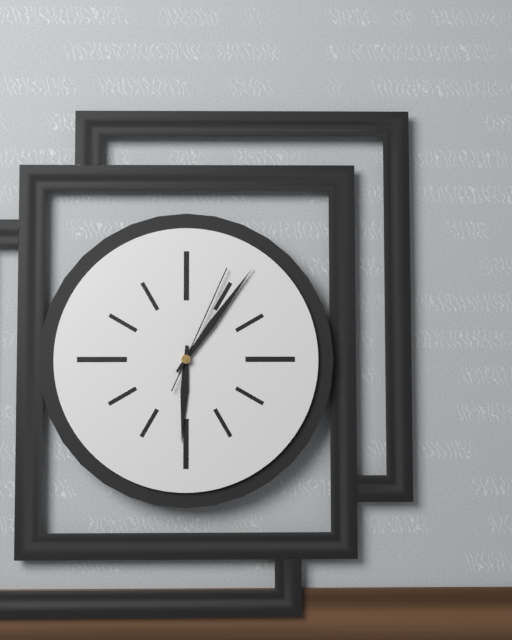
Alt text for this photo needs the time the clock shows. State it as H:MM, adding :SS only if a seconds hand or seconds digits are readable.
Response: 6:06:04
